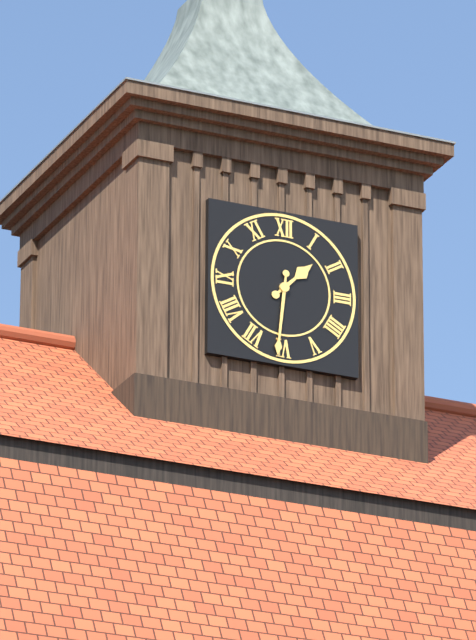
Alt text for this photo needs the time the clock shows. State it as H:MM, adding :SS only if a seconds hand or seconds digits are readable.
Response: 1:31
